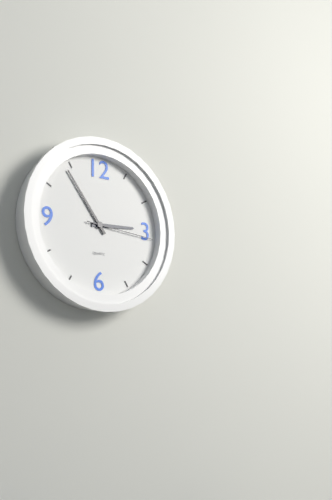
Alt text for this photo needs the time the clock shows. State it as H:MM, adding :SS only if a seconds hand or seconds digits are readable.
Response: 2:54:16
